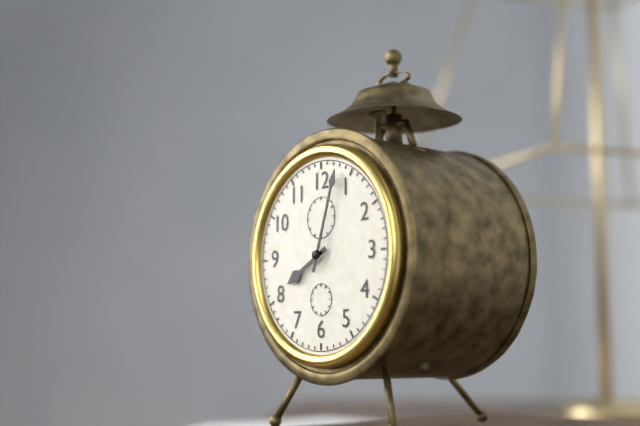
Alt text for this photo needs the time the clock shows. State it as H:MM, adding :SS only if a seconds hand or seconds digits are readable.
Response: 8:03
